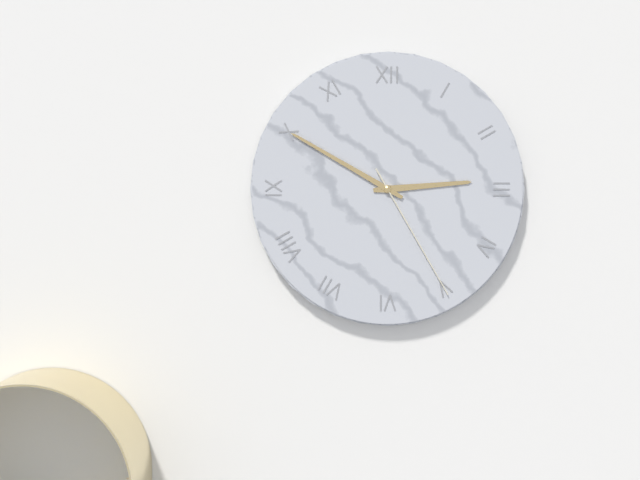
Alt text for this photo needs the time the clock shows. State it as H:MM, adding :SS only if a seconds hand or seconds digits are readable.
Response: 2:50:25
